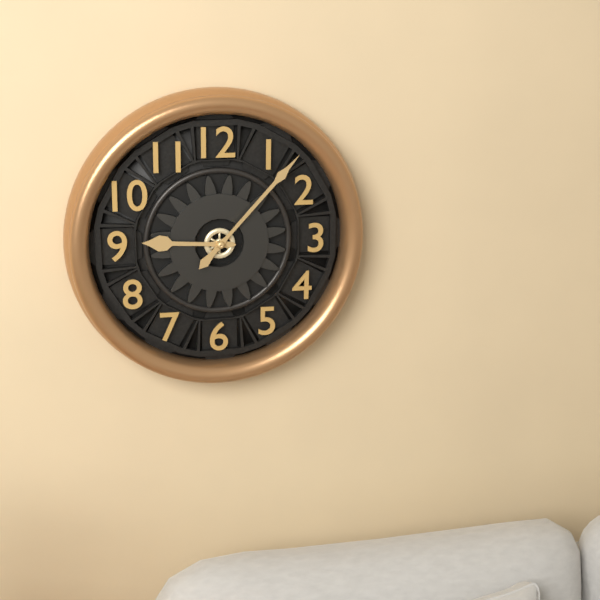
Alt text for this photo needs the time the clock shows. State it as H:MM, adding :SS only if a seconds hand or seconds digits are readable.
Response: 9:07
